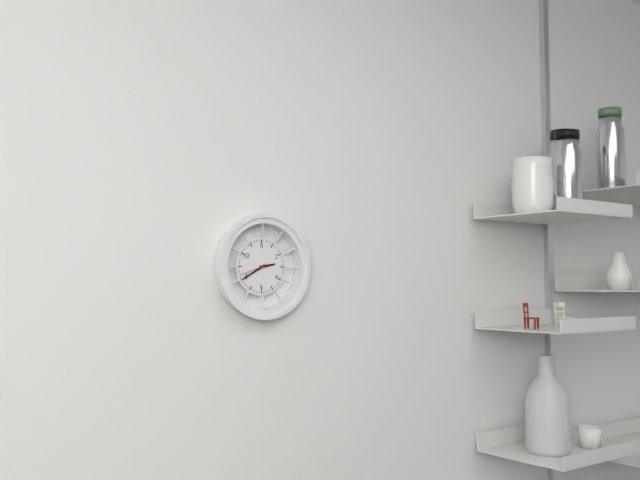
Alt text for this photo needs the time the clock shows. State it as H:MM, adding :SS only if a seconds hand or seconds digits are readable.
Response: 2:40
